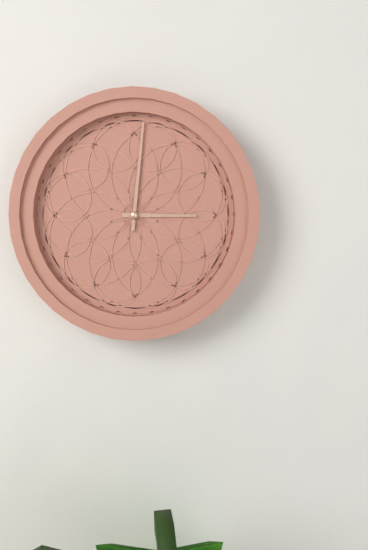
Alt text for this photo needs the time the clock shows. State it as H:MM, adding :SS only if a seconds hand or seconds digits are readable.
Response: 3:01
